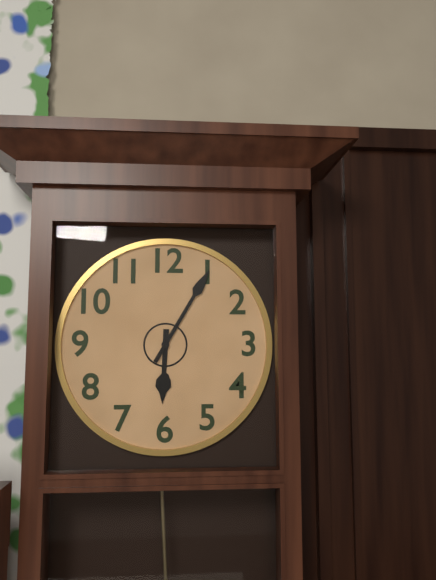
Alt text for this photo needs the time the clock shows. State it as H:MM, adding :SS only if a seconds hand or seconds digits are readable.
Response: 6:05
